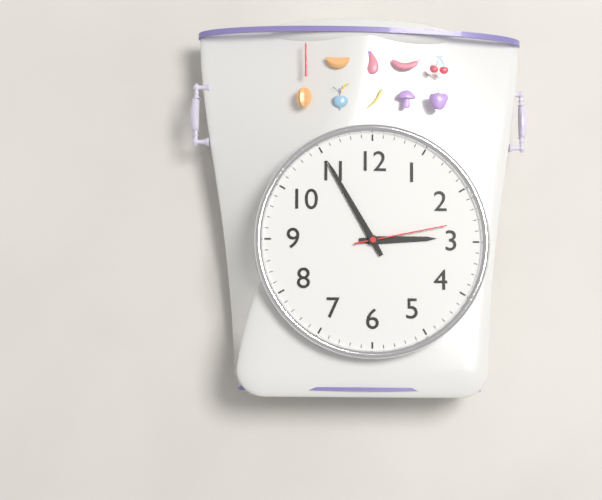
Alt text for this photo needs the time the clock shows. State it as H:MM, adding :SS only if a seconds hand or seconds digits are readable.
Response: 2:55:13
